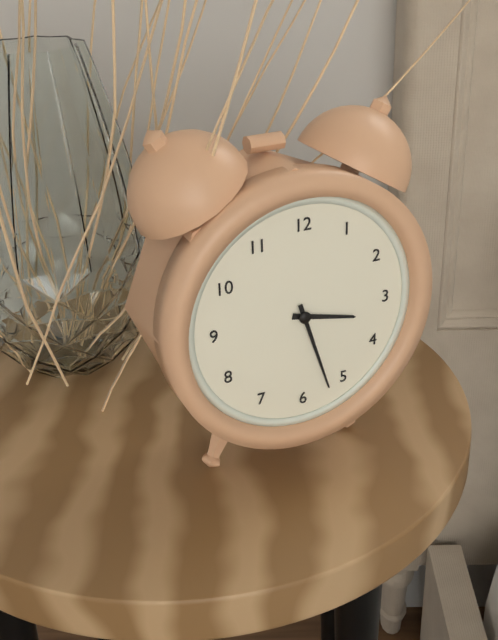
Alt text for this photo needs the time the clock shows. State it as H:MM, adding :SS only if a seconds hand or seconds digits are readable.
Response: 3:27
